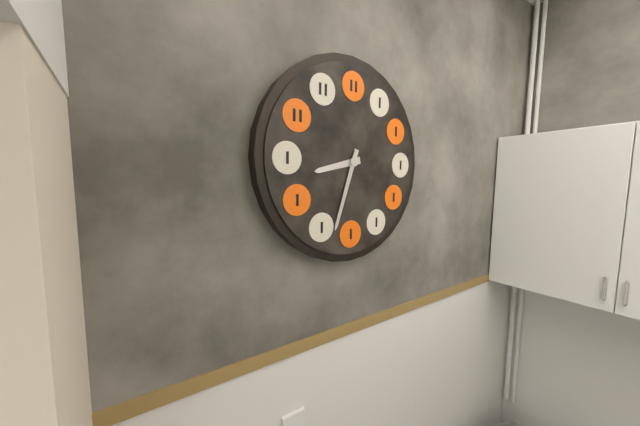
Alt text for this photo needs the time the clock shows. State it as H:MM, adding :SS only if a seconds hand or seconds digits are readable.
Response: 8:33
